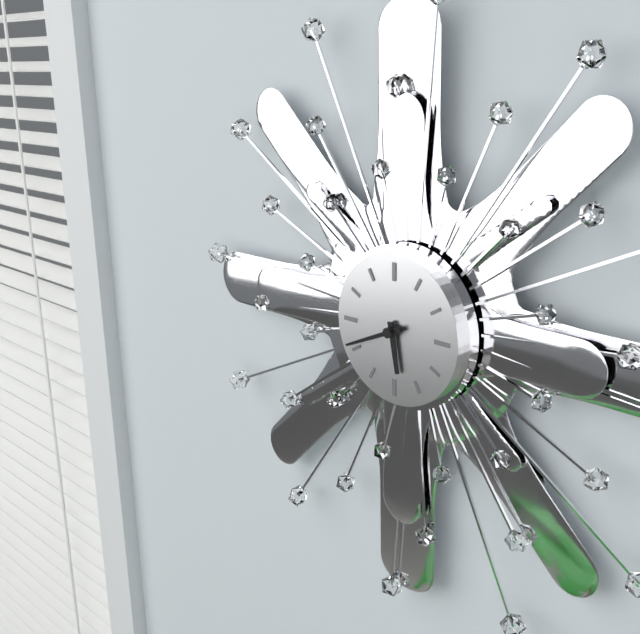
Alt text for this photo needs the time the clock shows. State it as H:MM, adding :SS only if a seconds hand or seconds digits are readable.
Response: 5:41
